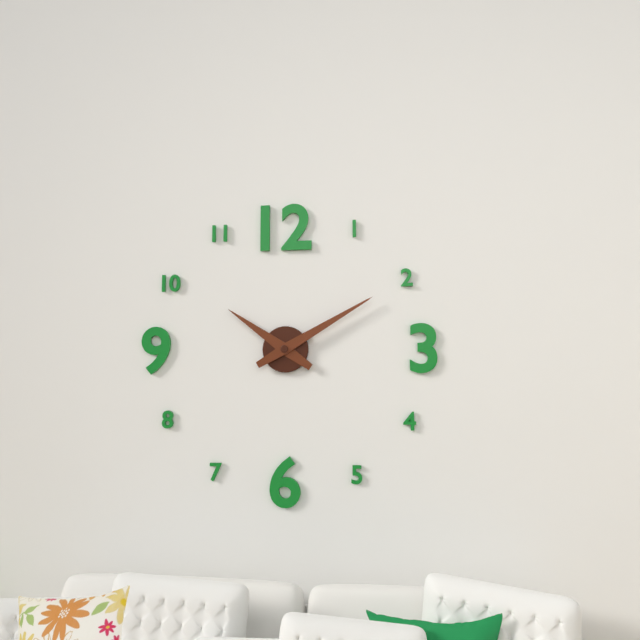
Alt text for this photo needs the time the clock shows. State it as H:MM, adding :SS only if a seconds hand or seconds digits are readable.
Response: 10:10
